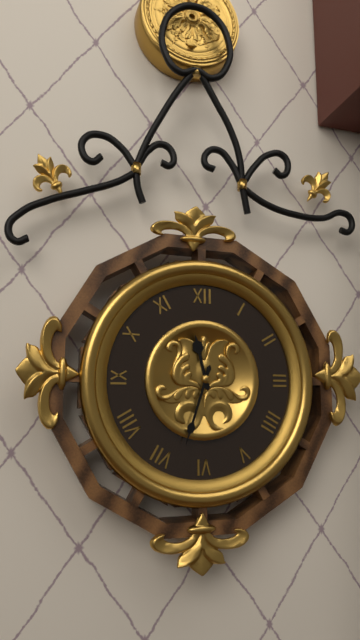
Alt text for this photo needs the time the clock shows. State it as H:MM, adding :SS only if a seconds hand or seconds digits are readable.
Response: 11:33
